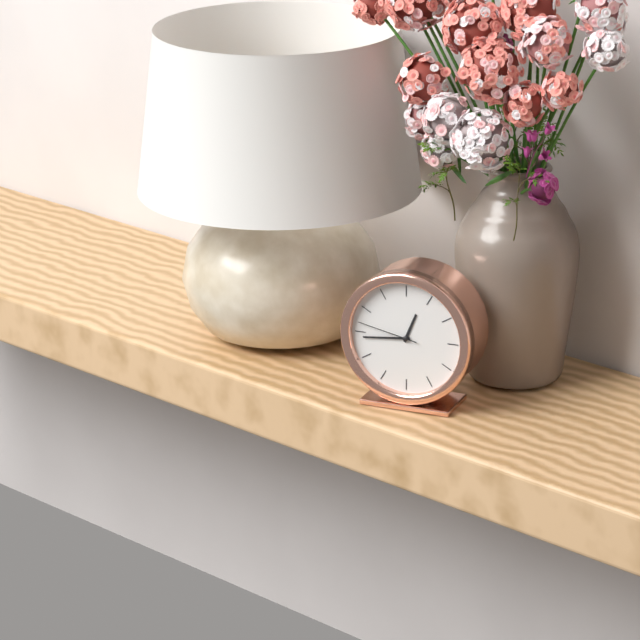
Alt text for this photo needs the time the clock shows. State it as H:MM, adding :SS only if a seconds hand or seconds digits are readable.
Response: 12:44:47
